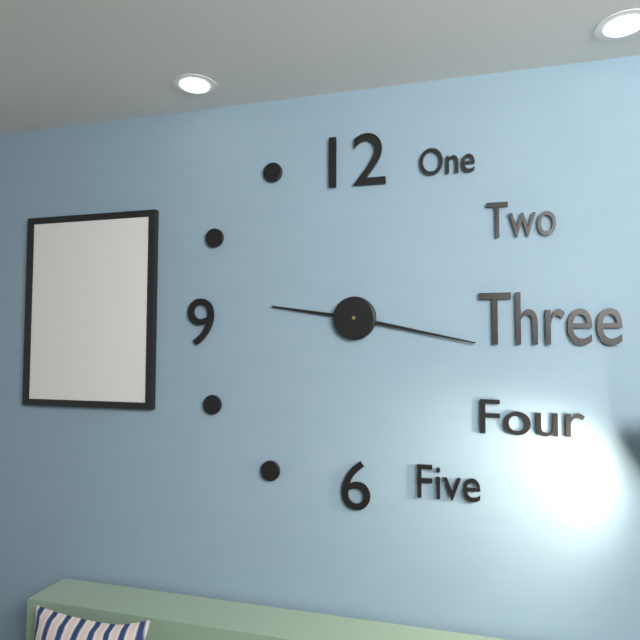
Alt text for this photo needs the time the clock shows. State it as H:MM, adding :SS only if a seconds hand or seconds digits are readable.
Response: 9:17
